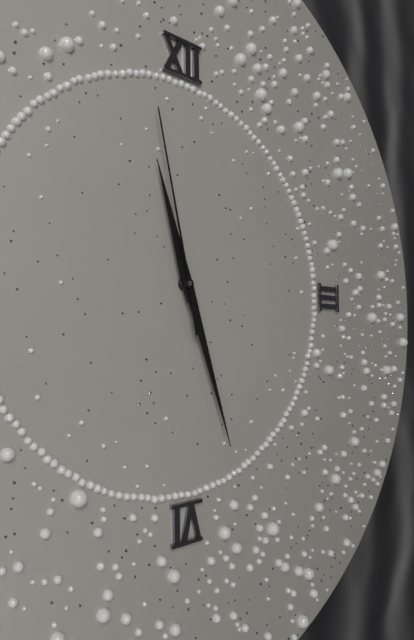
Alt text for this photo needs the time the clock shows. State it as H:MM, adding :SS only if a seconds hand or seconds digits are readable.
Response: 11:27:58
